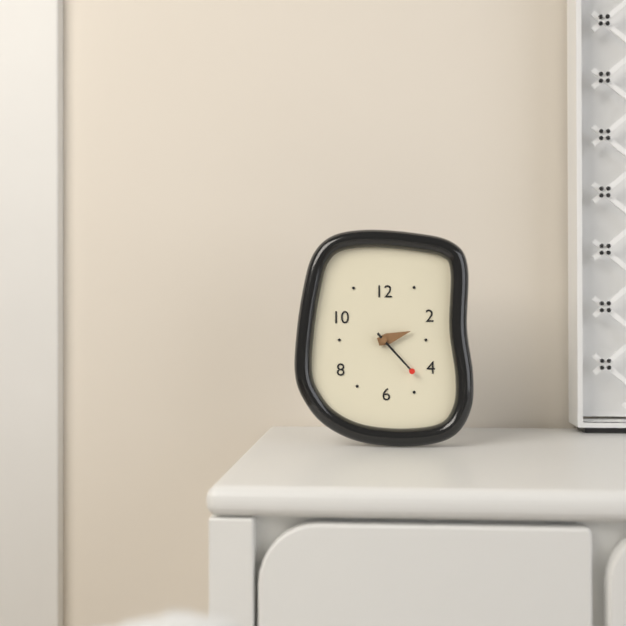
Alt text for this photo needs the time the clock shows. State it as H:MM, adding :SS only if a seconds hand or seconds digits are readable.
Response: 2:23
